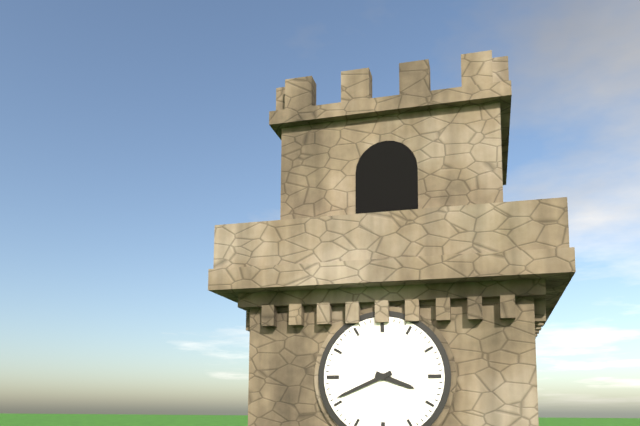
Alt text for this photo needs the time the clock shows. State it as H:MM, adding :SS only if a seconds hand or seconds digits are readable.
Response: 3:41
